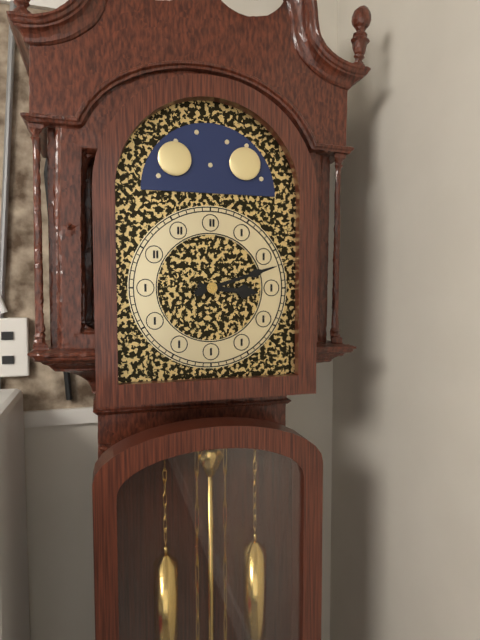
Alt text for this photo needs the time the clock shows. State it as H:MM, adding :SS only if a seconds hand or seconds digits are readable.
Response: 3:12
